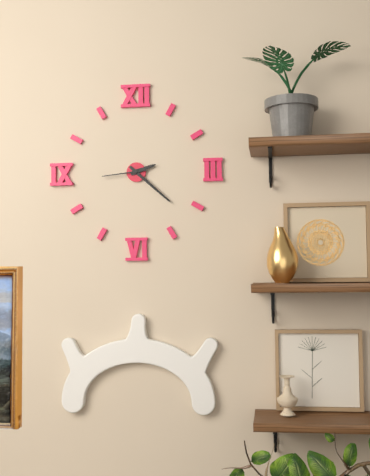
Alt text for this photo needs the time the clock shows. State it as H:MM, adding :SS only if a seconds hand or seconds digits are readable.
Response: 2:22
